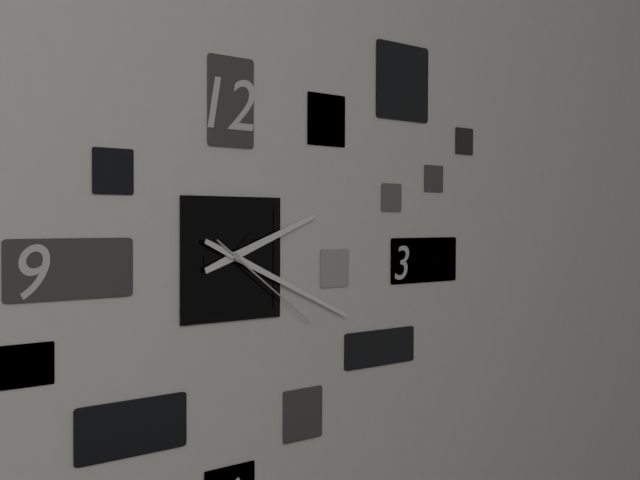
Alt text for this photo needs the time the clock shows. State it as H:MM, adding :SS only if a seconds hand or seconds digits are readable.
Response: 2:19:21
